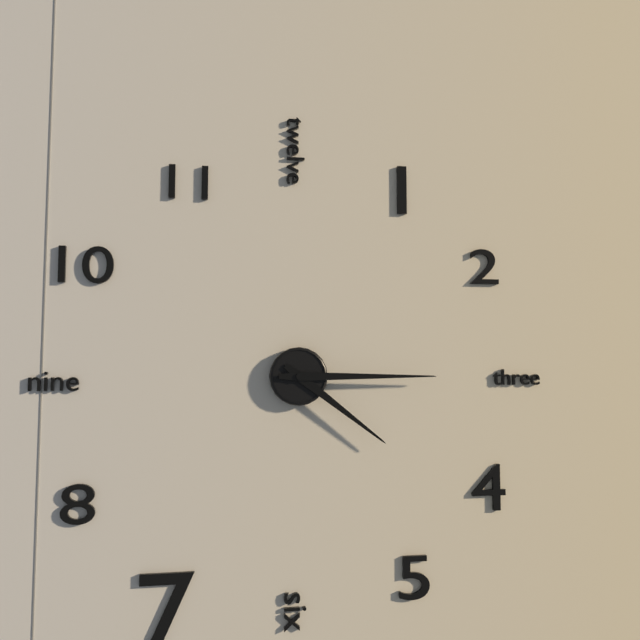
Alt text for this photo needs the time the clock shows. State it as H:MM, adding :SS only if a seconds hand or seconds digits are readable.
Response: 4:15
